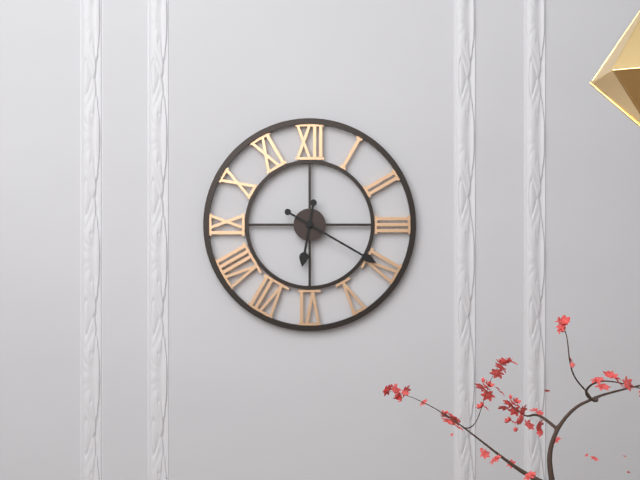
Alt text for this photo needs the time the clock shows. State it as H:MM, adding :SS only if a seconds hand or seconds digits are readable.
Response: 6:20
